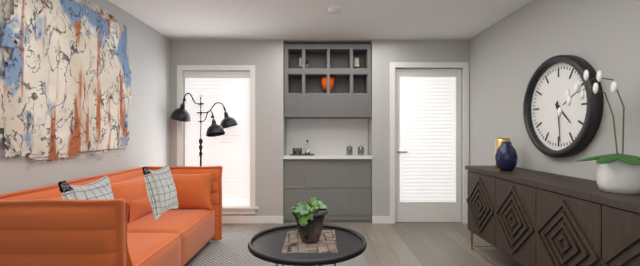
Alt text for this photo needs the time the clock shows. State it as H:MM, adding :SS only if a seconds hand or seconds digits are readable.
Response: 4:29
